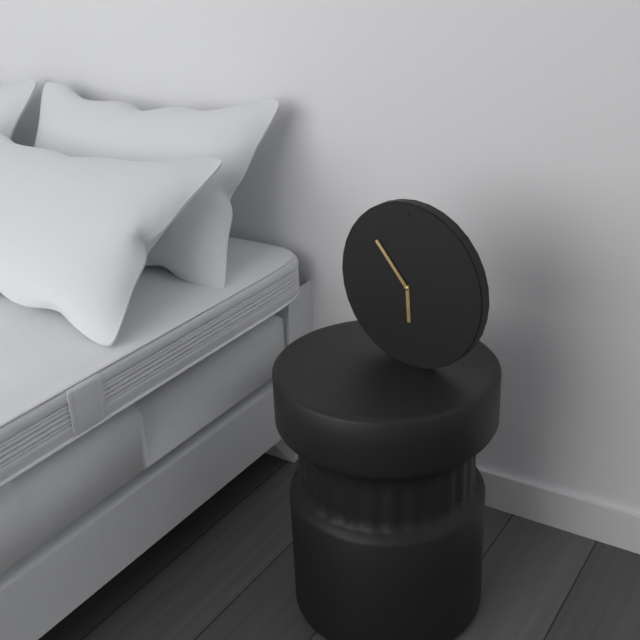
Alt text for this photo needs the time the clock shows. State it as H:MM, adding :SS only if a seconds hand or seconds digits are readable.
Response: 5:53
